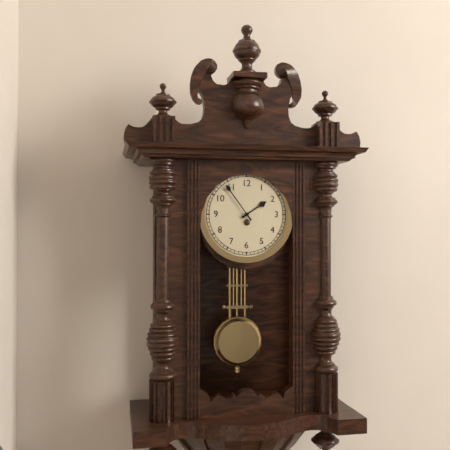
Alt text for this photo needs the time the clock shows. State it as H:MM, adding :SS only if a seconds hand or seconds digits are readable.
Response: 1:54
